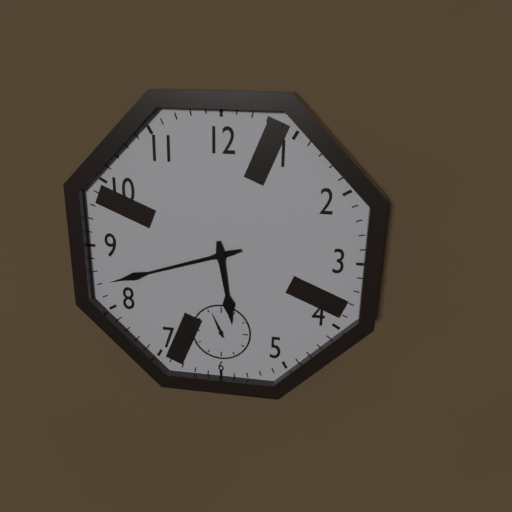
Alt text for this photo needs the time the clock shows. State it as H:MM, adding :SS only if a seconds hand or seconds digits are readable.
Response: 5:42
